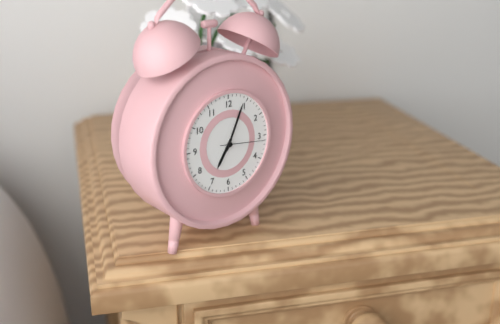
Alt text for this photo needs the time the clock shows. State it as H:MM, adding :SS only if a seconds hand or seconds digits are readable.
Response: 7:04
